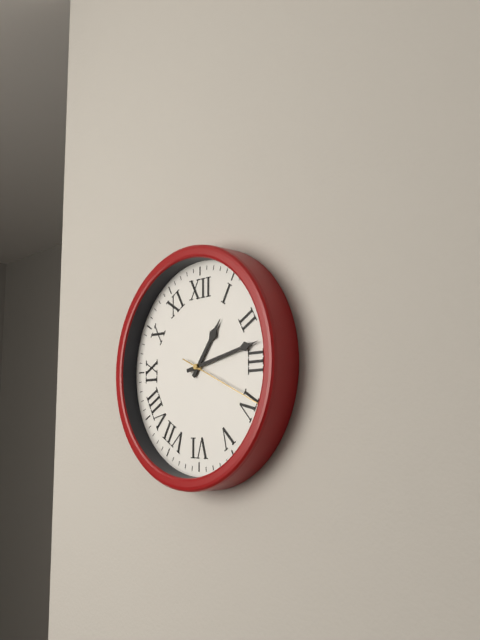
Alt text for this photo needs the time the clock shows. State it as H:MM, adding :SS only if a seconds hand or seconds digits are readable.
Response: 1:13:19
